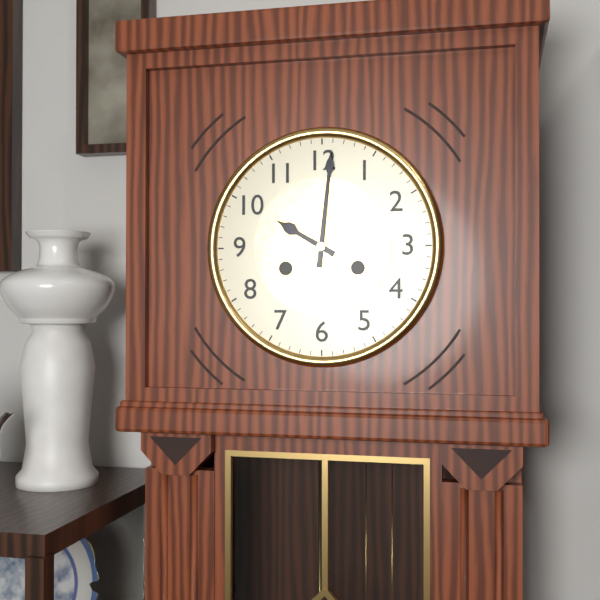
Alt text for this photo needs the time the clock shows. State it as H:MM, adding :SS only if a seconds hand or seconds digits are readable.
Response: 10:01
